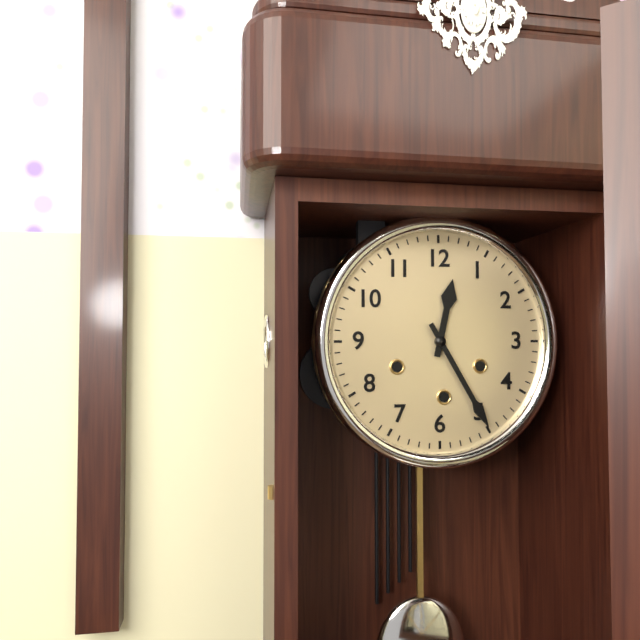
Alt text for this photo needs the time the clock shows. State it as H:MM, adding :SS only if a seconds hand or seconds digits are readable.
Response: 12:25
